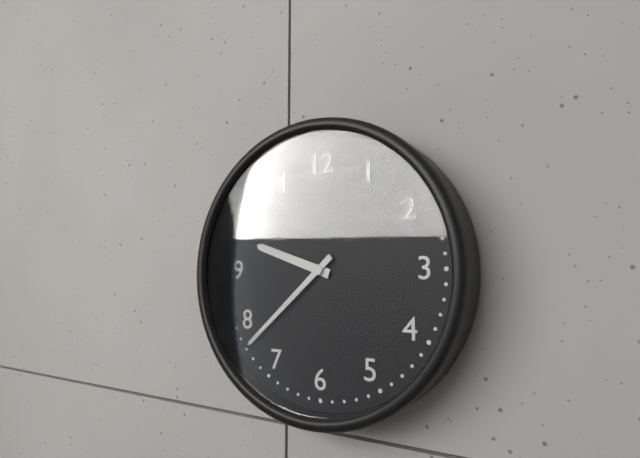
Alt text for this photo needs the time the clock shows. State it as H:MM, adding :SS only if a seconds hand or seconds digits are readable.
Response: 9:38
